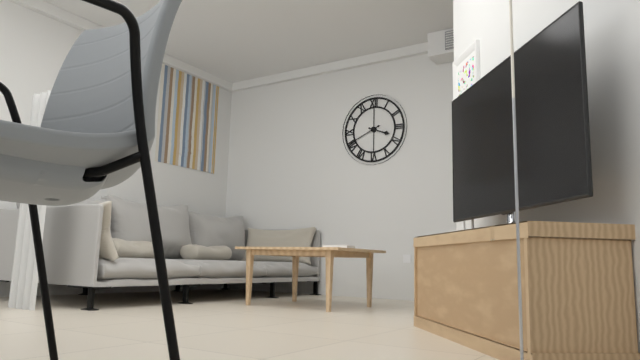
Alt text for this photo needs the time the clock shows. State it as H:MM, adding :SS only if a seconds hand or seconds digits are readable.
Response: 3:41
